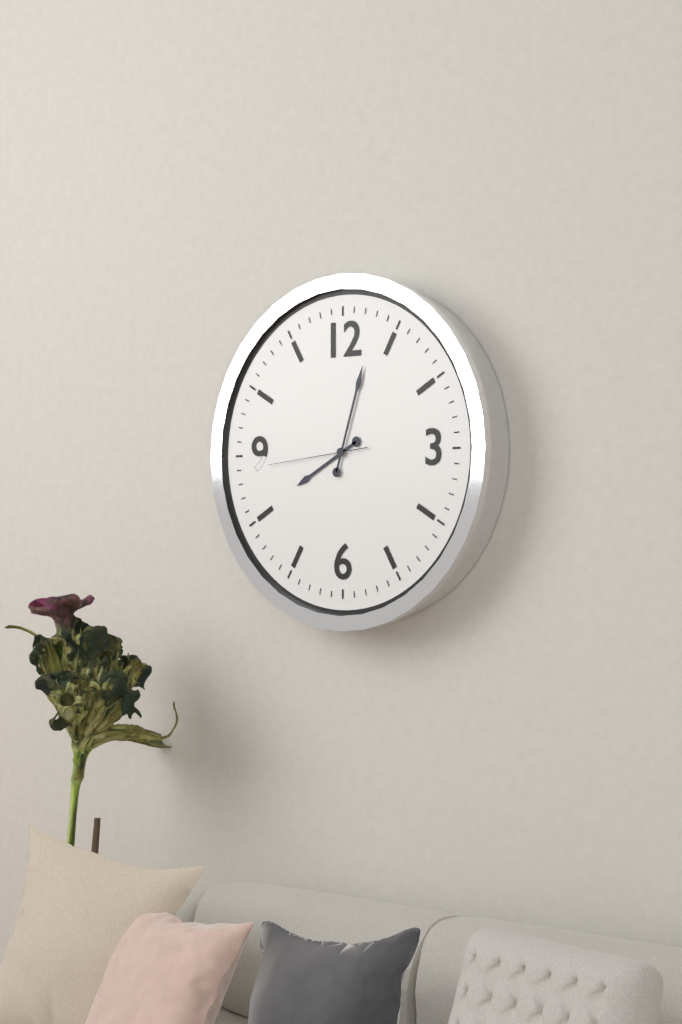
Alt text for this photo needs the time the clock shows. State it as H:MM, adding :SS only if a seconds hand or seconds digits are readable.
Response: 8:03:44
